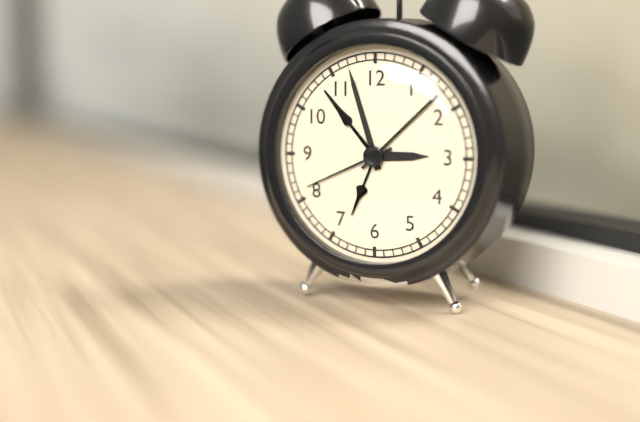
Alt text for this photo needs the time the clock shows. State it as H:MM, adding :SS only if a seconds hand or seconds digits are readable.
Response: 2:57:41
